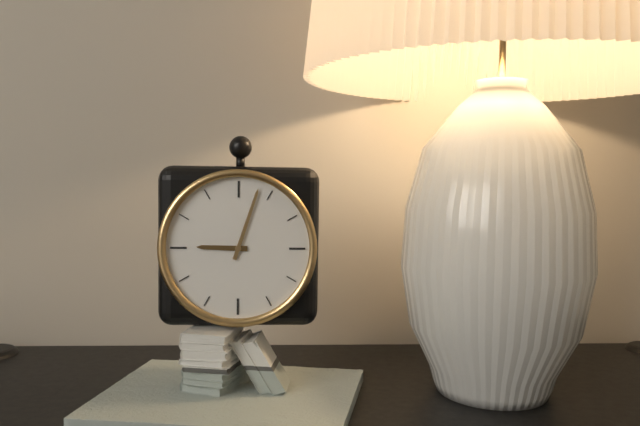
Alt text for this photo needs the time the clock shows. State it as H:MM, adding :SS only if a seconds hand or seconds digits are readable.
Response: 9:03
